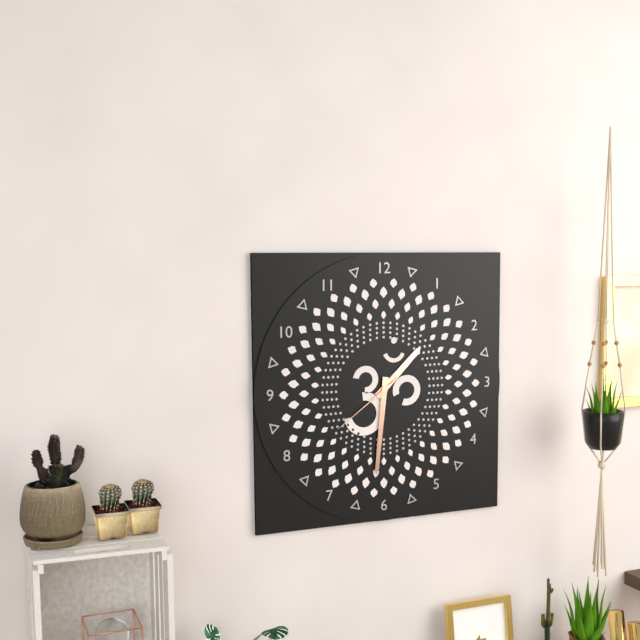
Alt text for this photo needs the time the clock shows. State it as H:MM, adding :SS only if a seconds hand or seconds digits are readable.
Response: 1:31:39
